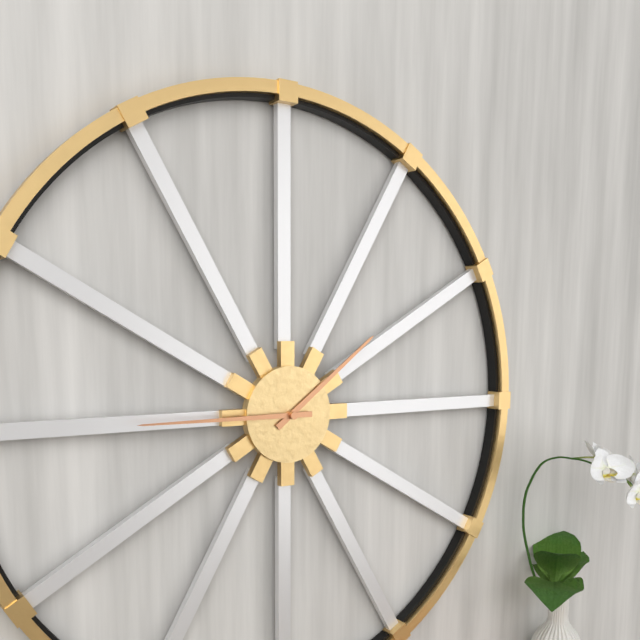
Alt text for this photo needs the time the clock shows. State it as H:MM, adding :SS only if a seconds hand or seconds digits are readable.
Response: 1:45
